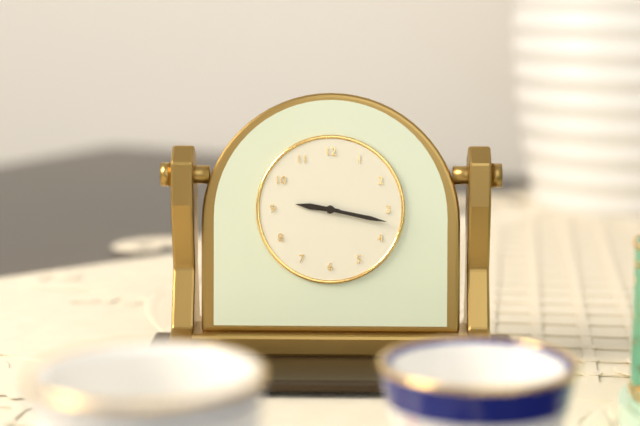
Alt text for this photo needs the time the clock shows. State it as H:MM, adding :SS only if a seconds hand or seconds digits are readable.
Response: 9:17
